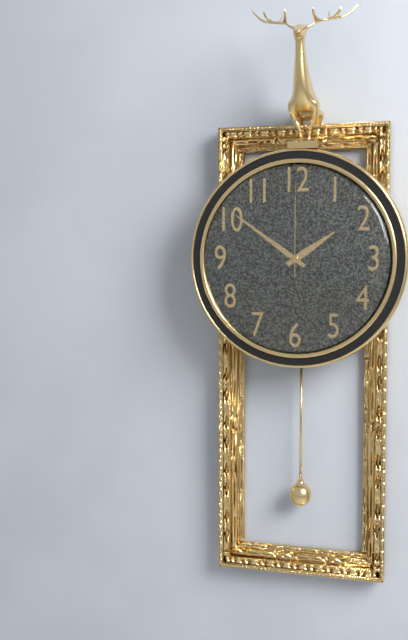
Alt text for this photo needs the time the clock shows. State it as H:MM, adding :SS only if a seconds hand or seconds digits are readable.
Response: 1:51:00
